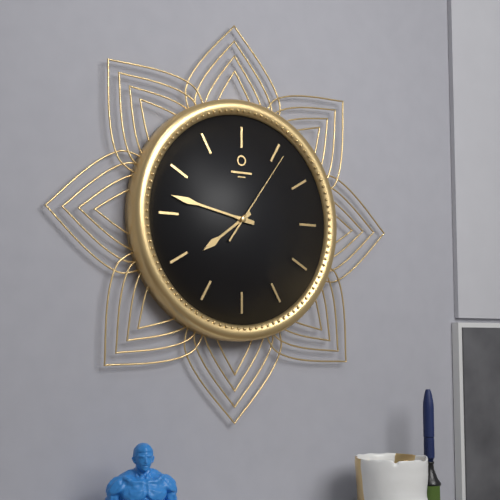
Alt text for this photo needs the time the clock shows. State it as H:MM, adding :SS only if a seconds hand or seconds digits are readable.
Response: 7:47:06
